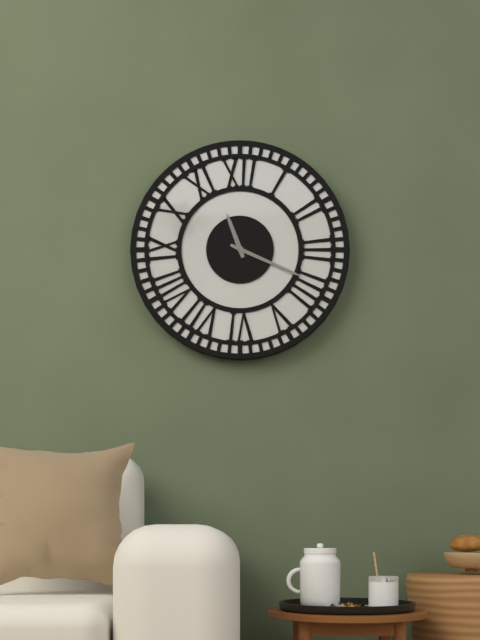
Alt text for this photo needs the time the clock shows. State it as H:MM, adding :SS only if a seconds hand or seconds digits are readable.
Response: 11:19
